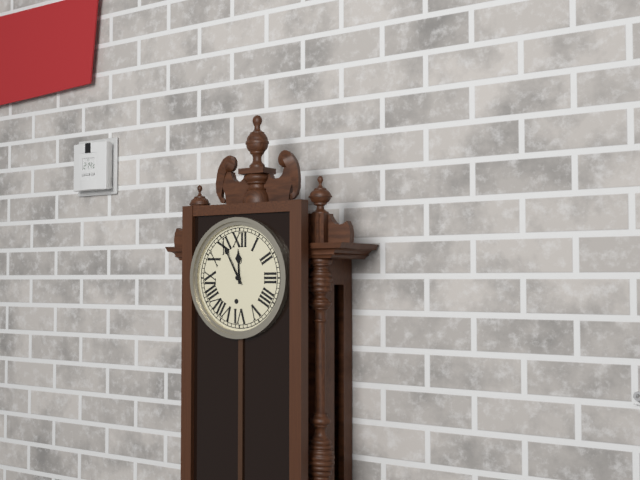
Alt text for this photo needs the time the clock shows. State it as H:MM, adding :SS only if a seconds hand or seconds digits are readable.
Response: 11:55
